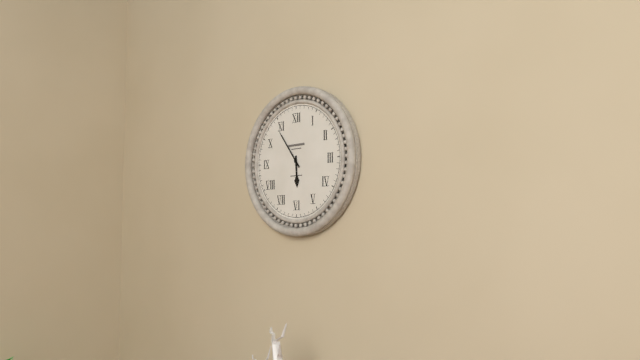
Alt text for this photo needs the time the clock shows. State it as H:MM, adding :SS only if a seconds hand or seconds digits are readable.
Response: 5:54
